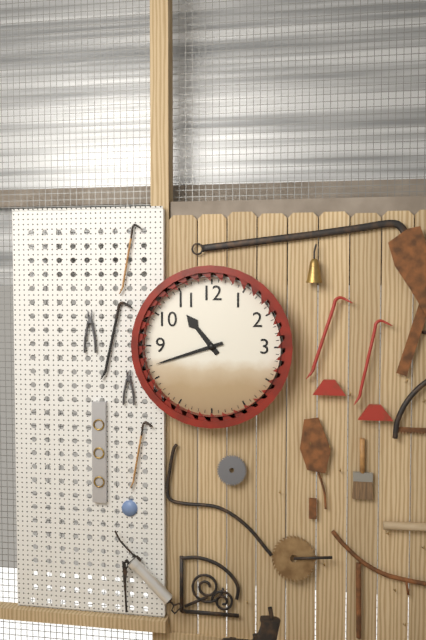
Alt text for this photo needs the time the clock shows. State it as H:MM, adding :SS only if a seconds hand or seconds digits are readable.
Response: 10:42
